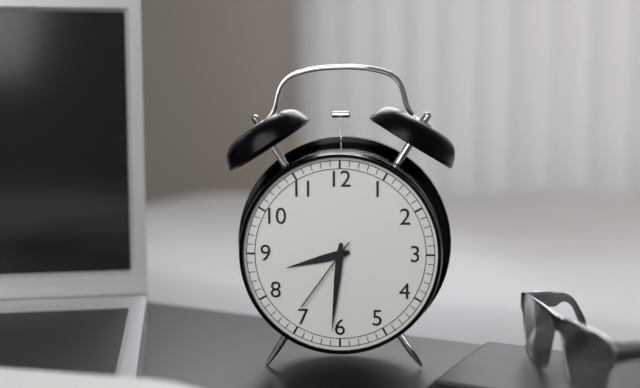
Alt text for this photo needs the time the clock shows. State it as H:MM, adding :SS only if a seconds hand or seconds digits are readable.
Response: 8:31:36
